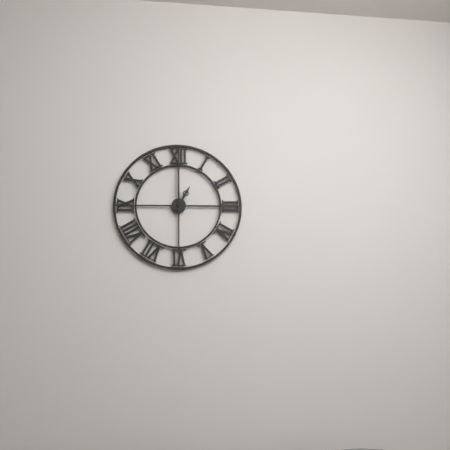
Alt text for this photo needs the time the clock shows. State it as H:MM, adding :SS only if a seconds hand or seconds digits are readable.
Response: 1:00
